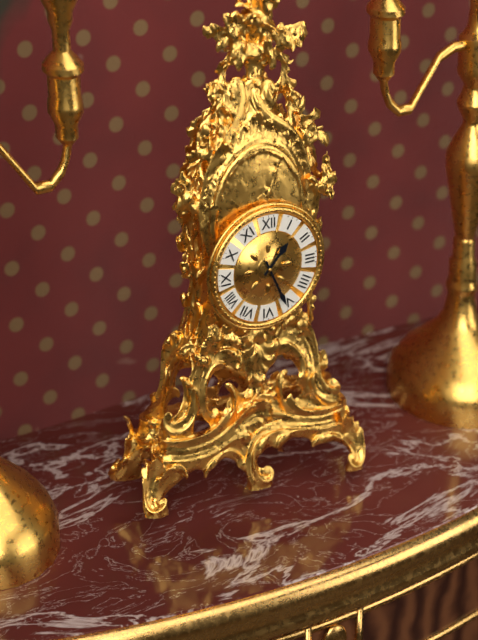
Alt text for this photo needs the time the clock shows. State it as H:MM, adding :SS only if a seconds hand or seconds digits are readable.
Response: 1:26
